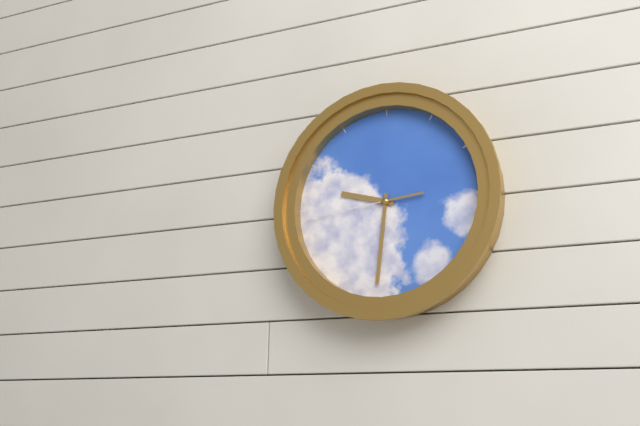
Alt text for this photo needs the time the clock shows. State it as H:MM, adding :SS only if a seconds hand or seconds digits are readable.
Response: 9:31:44
